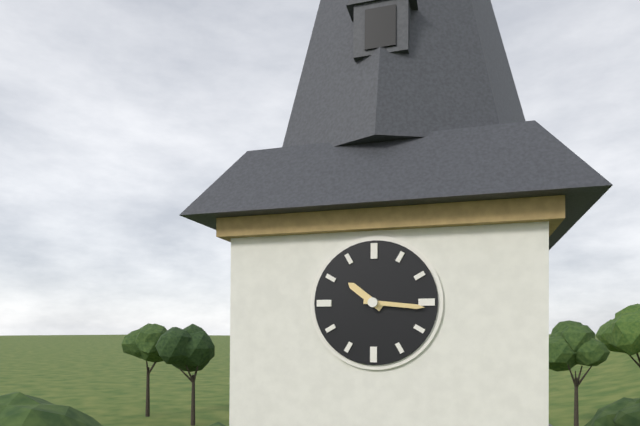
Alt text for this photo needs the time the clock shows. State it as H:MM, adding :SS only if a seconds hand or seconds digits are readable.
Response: 10:16
